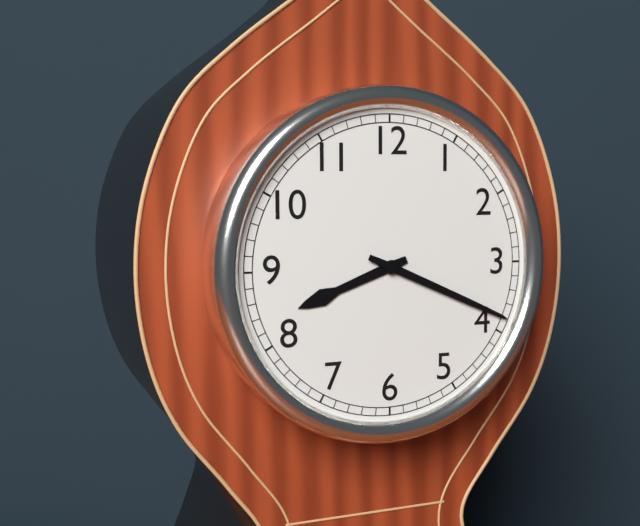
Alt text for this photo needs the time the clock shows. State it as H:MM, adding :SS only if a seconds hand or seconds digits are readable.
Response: 8:19
